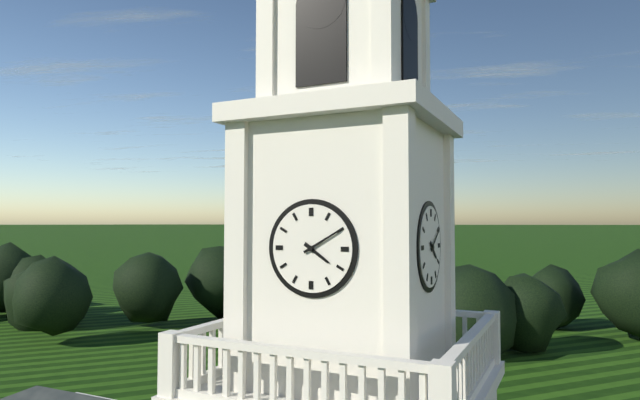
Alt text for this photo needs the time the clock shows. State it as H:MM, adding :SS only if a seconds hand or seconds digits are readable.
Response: 4:10
